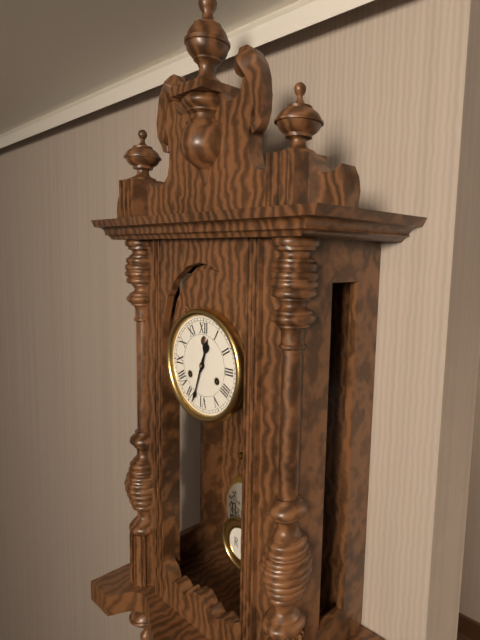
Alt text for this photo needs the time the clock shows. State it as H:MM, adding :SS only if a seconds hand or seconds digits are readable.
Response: 12:33
